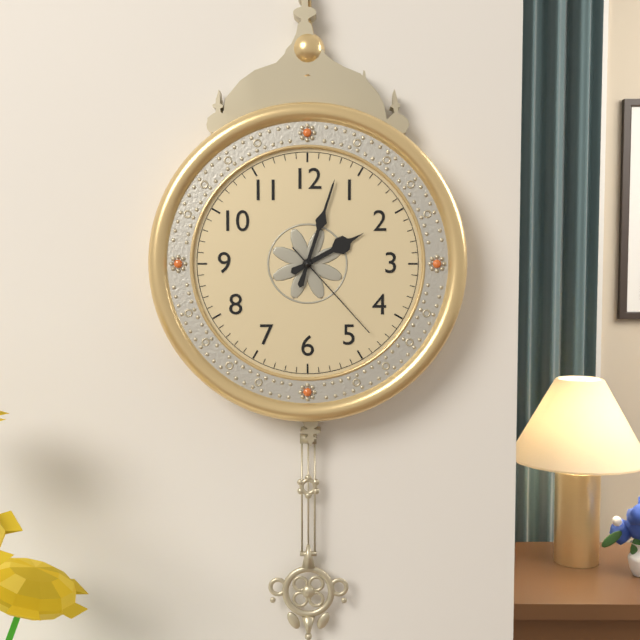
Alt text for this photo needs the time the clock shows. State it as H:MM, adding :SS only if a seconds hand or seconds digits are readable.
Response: 2:03:23
